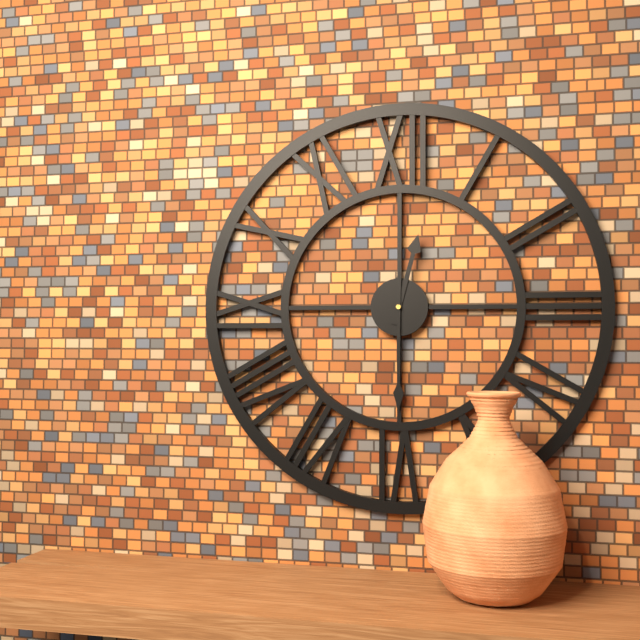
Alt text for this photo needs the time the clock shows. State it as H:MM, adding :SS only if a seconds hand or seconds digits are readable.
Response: 12:30
